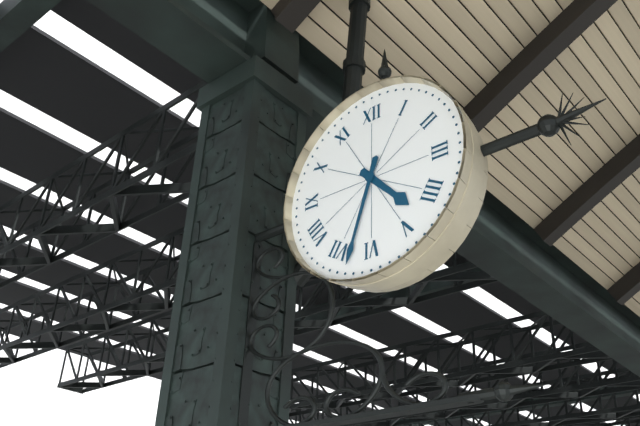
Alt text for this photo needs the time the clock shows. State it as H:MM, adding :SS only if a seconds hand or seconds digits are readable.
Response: 4:33
